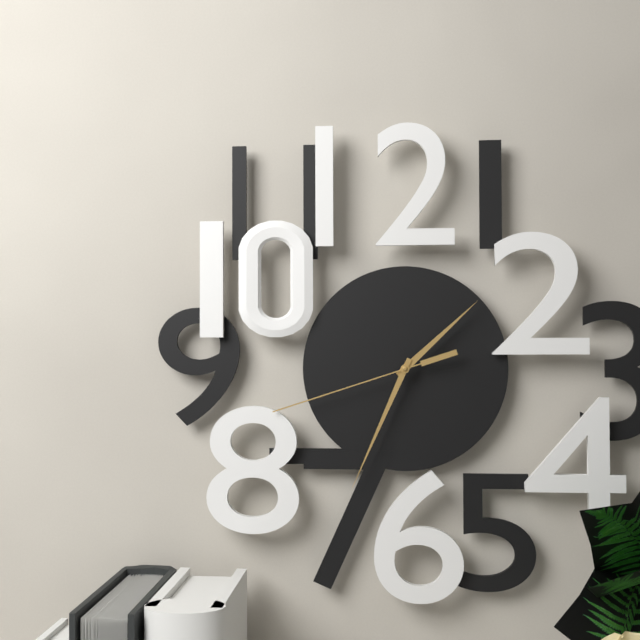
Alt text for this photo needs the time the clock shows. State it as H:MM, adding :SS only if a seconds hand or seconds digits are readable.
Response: 1:34:42
